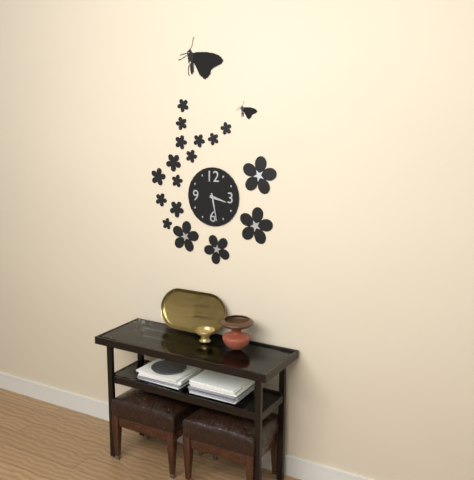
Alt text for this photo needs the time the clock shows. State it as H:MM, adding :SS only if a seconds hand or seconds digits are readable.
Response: 3:28
